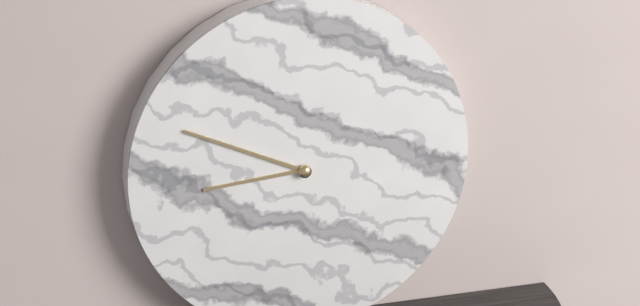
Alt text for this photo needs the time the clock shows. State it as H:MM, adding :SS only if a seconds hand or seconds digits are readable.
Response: 8:49
